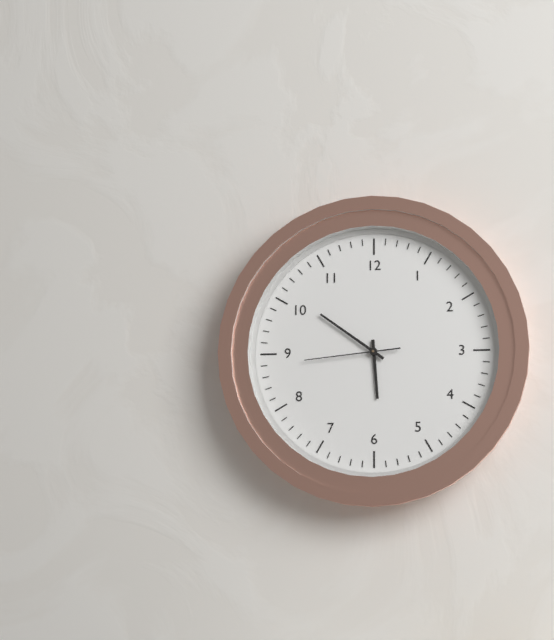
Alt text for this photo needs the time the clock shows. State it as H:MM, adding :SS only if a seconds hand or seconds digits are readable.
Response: 5:51:44
